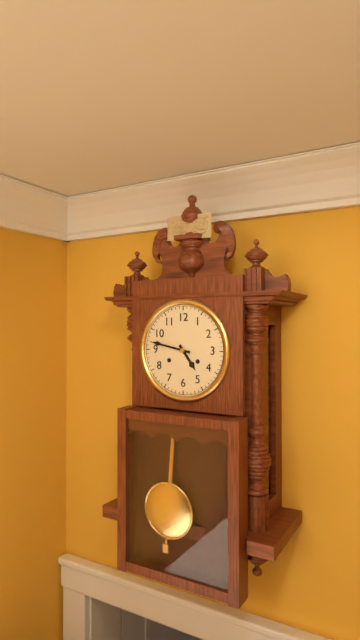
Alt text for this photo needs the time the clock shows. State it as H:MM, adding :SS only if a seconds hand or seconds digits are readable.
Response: 4:47
